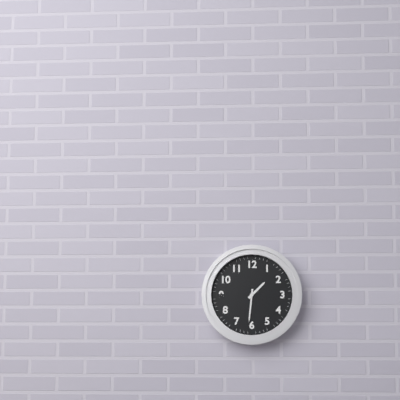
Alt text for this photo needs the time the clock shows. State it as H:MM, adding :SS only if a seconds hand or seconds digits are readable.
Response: 1:31
